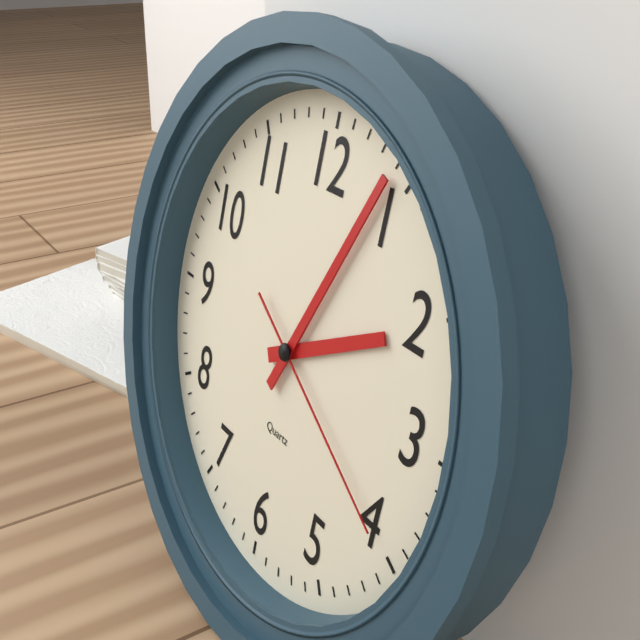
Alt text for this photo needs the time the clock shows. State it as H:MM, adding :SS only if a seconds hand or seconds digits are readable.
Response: 2:04:20
